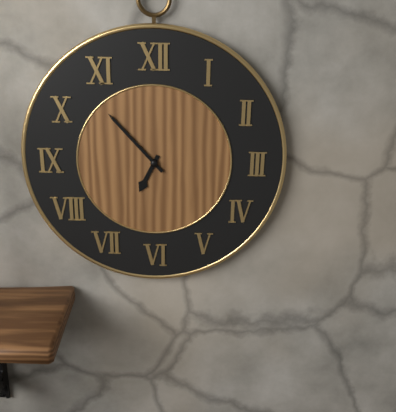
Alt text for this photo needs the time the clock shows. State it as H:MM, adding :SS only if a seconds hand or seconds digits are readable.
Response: 6:53
